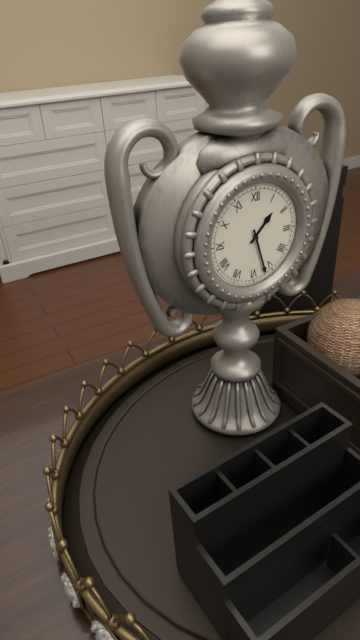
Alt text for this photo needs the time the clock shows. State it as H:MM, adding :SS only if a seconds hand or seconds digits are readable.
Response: 1:27
